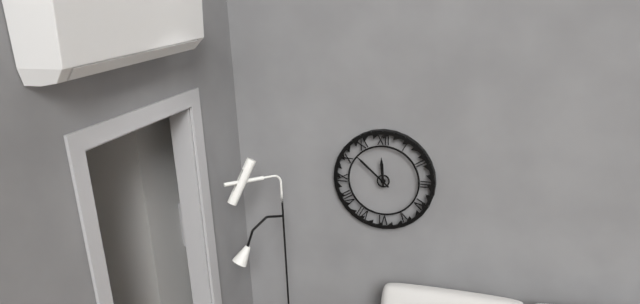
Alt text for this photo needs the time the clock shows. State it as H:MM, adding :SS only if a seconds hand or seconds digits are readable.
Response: 11:52
